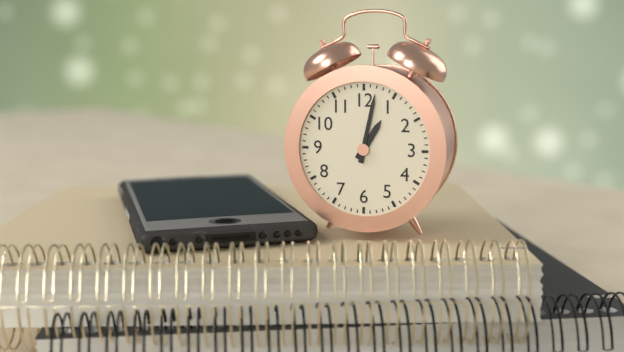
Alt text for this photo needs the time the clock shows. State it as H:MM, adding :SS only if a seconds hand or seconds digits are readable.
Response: 1:02
